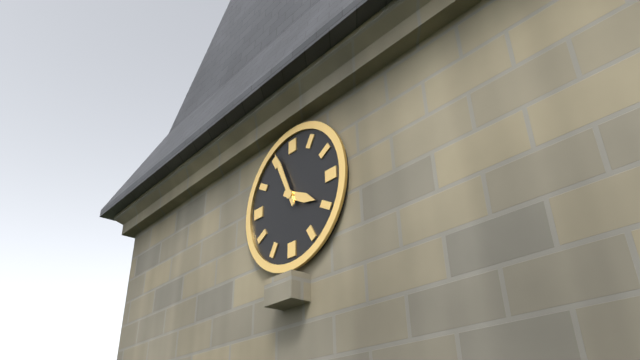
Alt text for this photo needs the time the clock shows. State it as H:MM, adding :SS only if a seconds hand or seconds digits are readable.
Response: 3:56
